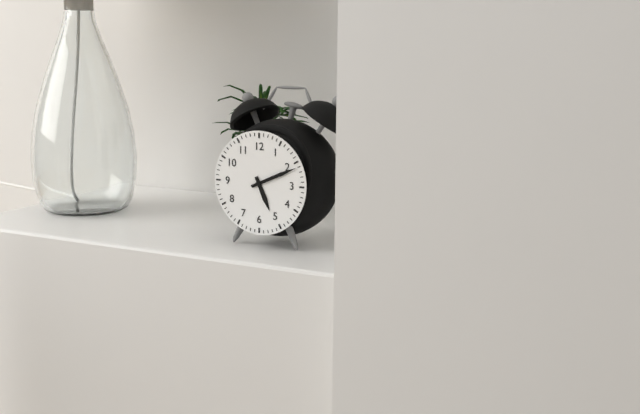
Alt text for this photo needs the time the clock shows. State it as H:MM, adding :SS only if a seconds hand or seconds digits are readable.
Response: 5:11
